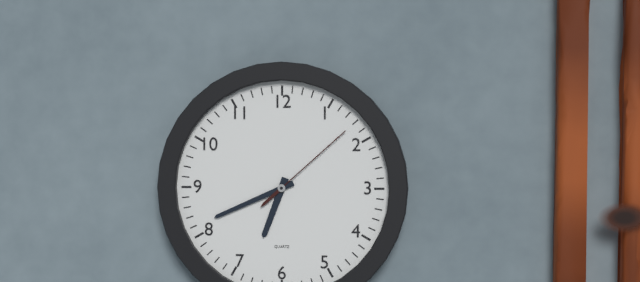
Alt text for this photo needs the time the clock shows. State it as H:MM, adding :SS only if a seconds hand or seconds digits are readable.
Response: 6:41:08
